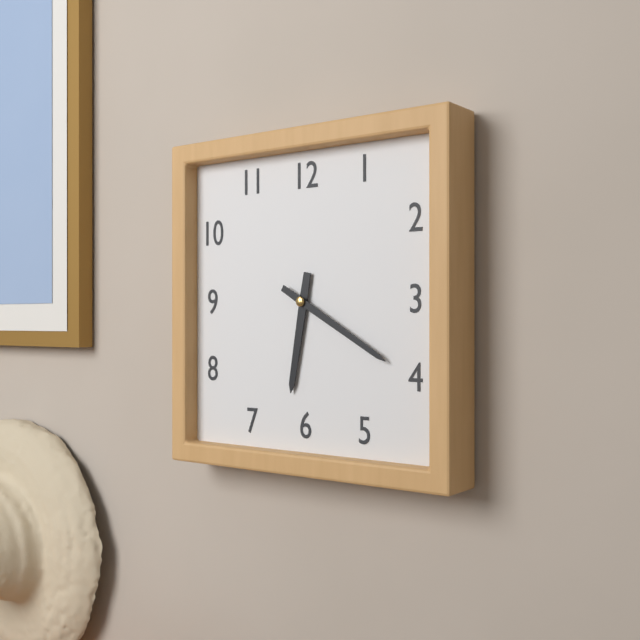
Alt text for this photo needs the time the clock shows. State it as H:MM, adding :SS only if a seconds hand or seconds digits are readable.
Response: 6:20
